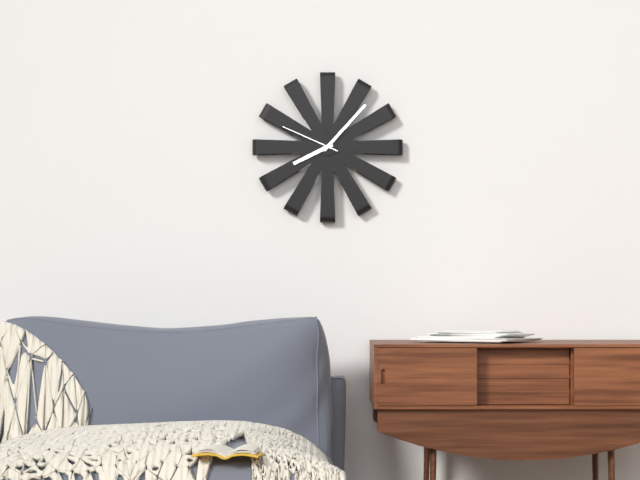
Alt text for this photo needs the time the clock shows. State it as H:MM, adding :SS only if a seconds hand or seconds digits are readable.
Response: 8:07:49
